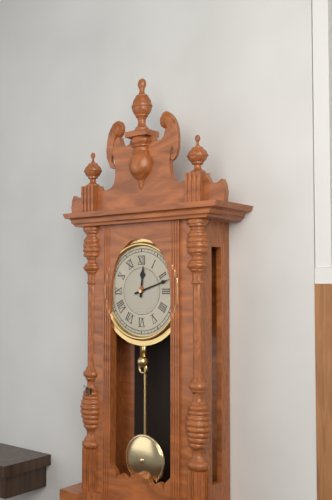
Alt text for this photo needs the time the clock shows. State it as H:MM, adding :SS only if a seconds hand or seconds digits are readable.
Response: 12:12
